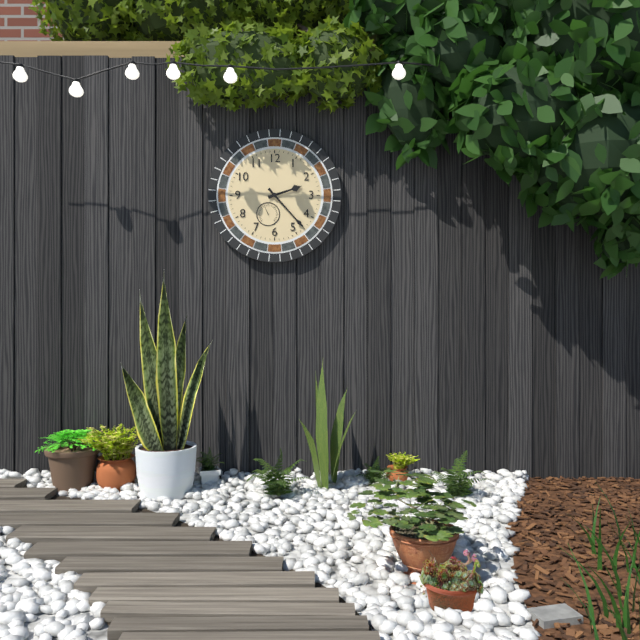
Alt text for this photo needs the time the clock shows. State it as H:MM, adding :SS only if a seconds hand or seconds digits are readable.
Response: 2:23
